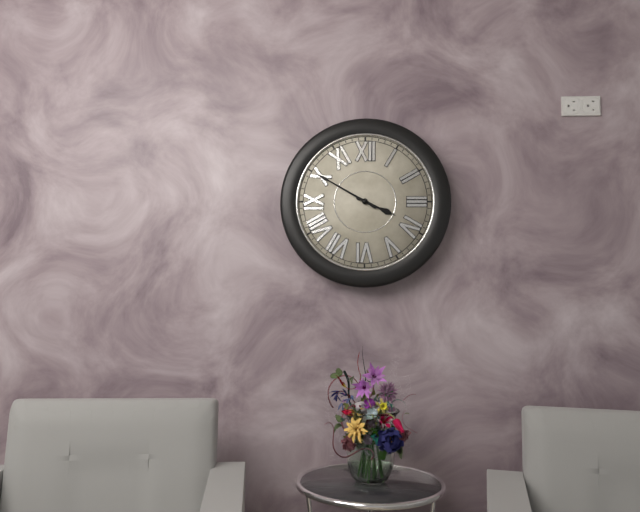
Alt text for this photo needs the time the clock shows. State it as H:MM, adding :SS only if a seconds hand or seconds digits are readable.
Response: 3:50
